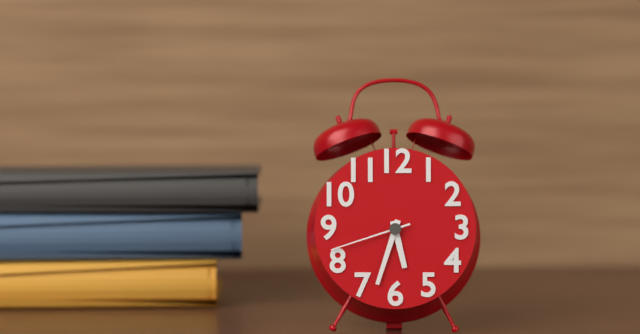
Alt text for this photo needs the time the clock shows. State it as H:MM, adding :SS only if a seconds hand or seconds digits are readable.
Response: 5:33:42
